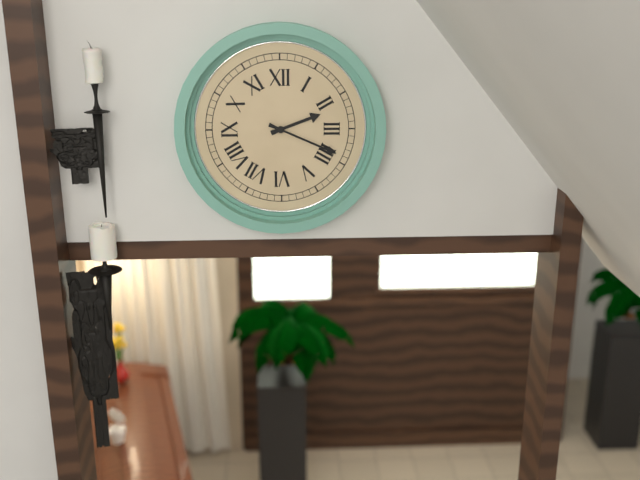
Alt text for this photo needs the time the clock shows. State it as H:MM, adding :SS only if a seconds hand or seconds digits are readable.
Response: 2:19
